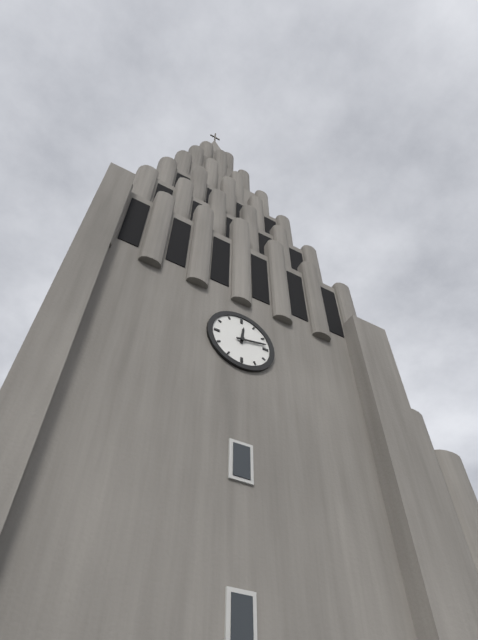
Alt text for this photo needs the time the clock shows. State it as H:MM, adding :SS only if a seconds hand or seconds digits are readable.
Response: 12:13
